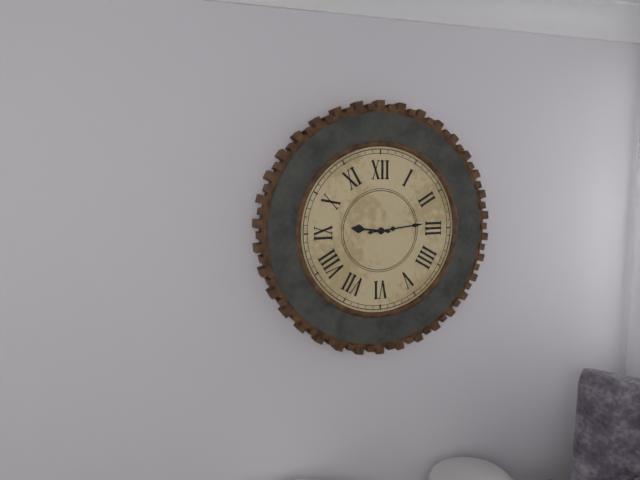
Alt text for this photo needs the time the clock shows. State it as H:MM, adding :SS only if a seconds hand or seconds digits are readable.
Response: 9:14
